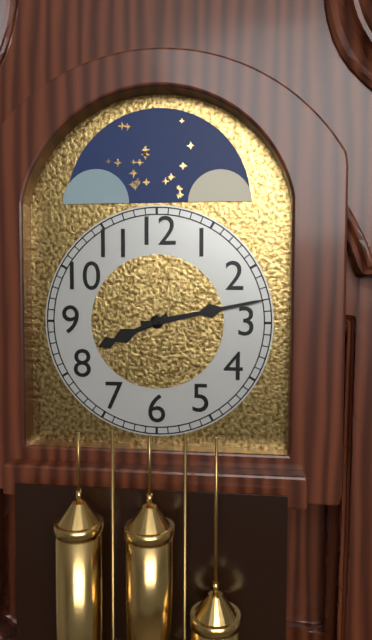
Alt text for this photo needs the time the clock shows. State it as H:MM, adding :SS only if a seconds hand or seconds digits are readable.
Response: 8:13
